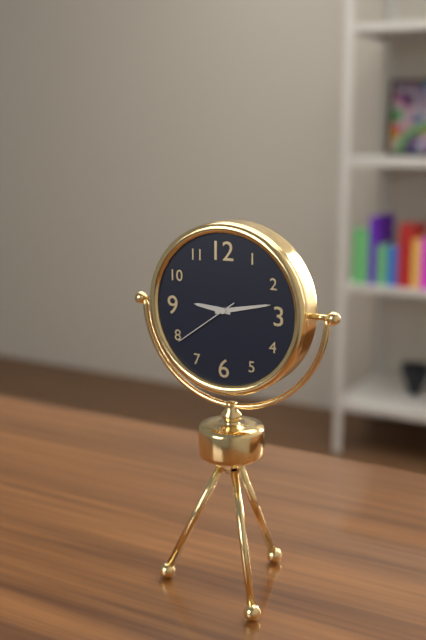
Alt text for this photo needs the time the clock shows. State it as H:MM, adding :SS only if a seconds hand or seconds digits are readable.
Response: 9:13:39
